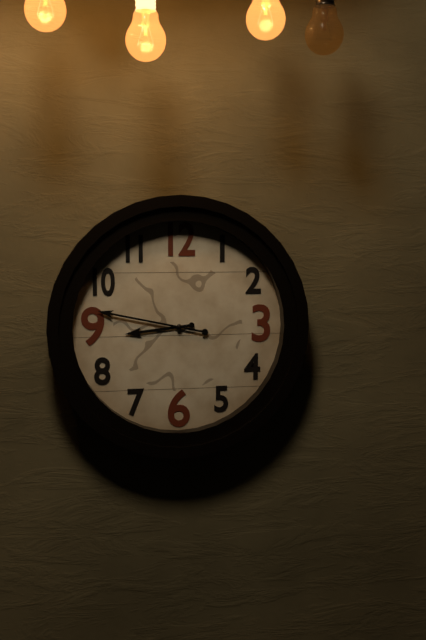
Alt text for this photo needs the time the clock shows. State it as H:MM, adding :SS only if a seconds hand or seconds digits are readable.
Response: 8:47
